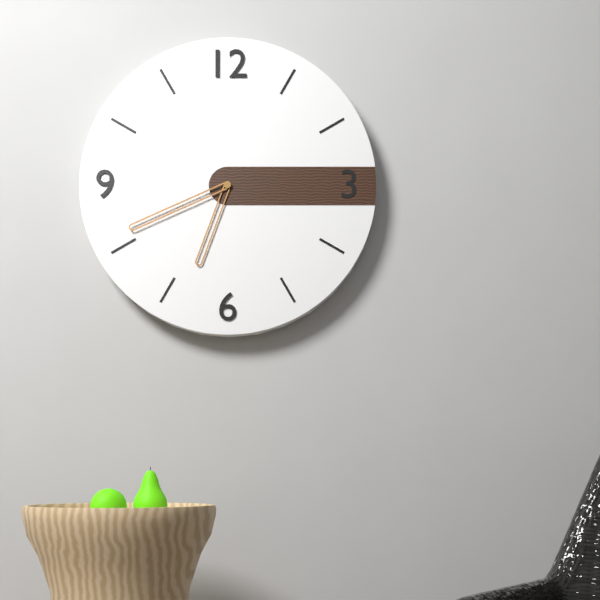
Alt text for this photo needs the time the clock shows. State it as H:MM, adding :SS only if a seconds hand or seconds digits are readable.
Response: 6:41
